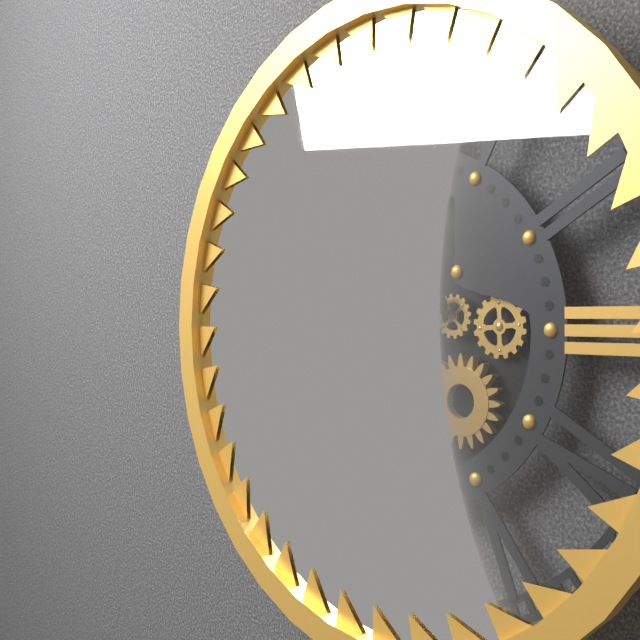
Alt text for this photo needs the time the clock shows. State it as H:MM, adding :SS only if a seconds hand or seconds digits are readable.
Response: 7:59
